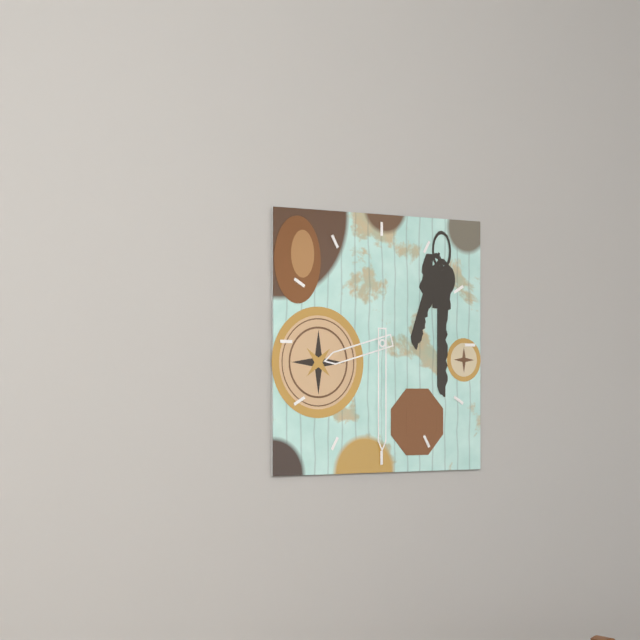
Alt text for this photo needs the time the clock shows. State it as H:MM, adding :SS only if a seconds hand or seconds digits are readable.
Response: 8:30
